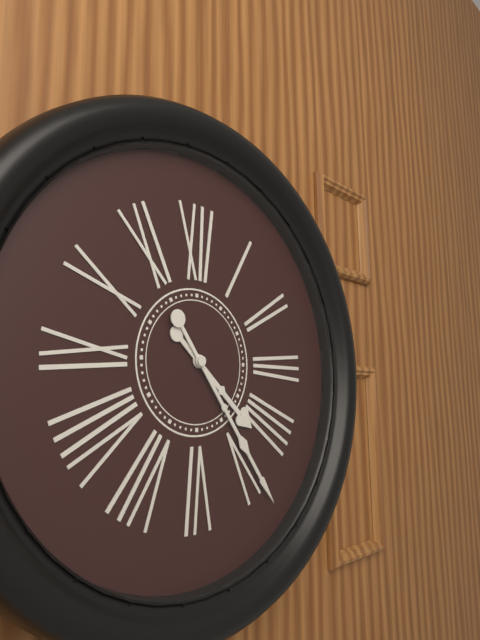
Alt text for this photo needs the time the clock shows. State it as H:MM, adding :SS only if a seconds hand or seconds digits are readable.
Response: 4:24
